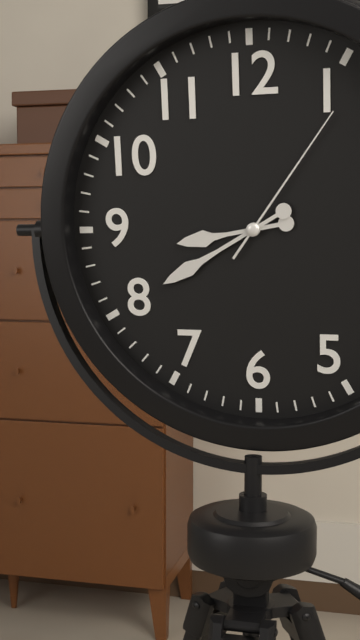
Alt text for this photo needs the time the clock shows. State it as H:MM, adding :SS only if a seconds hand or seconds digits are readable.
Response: 8:40:06
